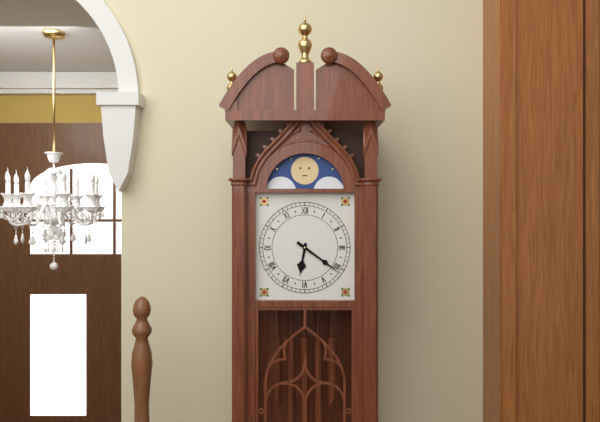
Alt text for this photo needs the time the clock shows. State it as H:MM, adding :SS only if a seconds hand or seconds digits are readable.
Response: 6:21
